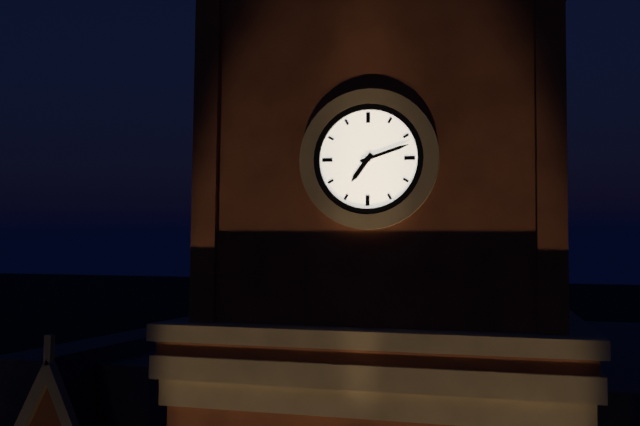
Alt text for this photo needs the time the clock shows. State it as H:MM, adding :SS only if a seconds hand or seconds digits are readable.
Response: 7:12
